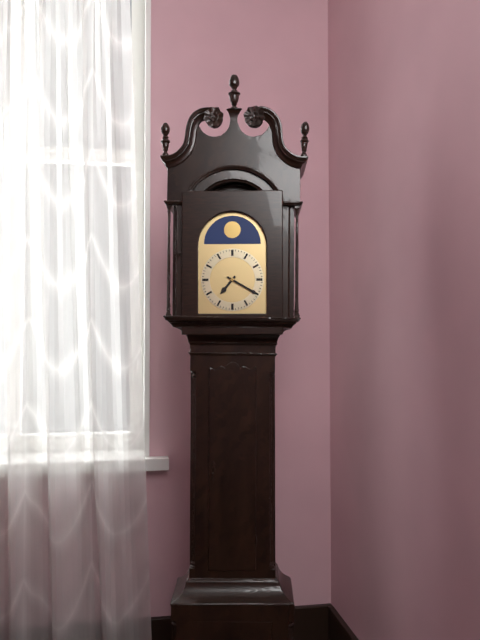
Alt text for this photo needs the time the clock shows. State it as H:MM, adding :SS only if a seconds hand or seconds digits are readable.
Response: 7:20
